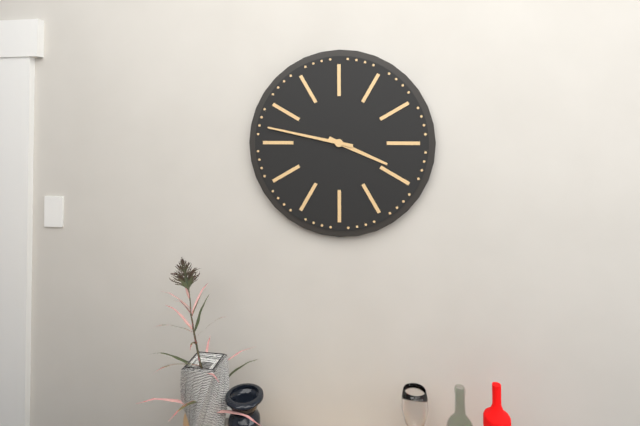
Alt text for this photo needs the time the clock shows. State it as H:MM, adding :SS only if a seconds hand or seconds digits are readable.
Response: 3:47
